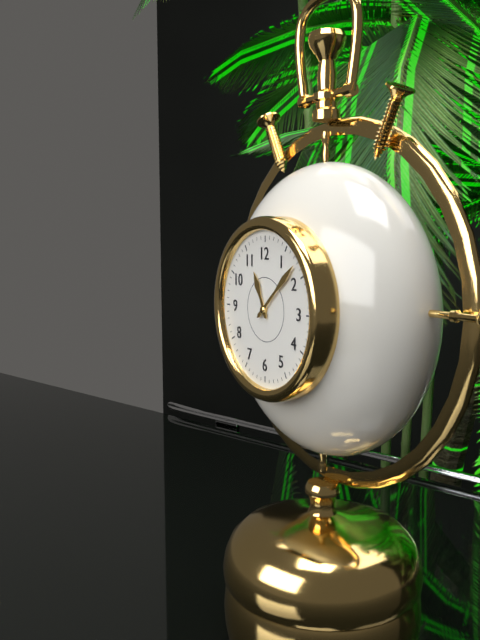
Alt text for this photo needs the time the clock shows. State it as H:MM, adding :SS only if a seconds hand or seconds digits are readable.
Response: 11:08
